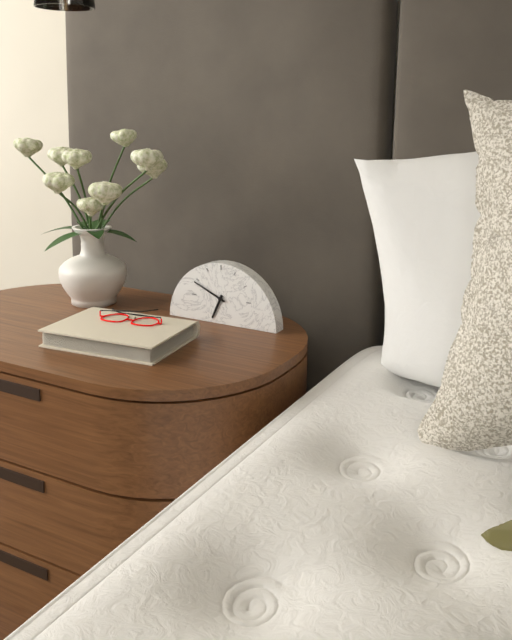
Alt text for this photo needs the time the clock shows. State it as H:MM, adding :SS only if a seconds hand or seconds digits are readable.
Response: 6:49
